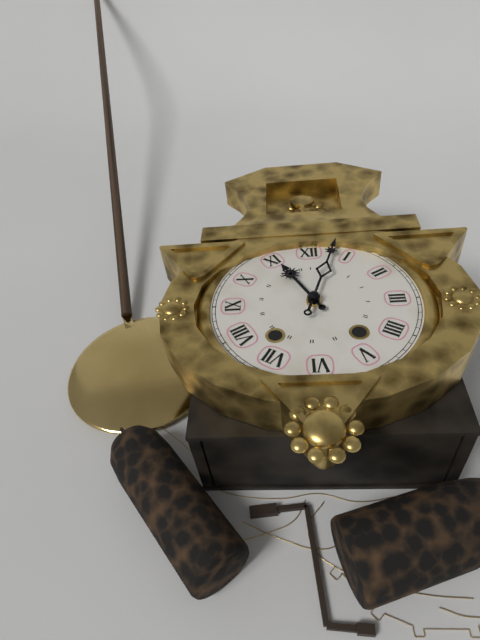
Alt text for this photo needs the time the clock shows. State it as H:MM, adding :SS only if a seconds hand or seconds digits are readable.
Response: 11:03
